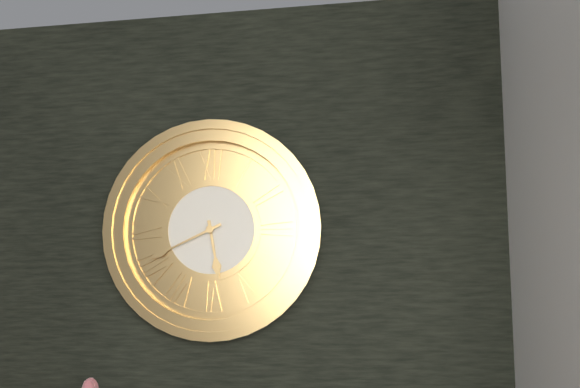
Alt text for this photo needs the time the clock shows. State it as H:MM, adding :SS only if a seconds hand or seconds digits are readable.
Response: 5:41
